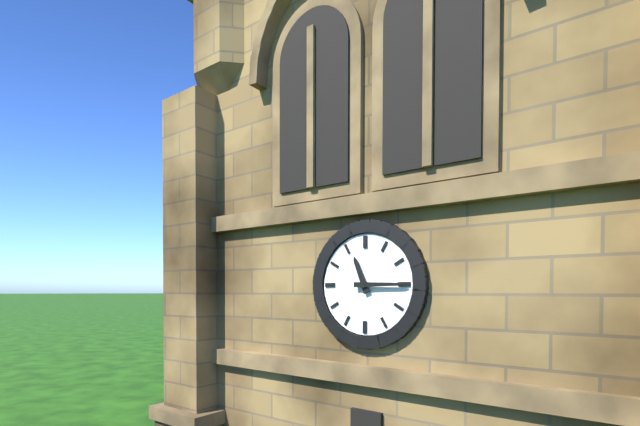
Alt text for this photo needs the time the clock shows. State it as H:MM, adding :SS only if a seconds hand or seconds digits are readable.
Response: 11:15
